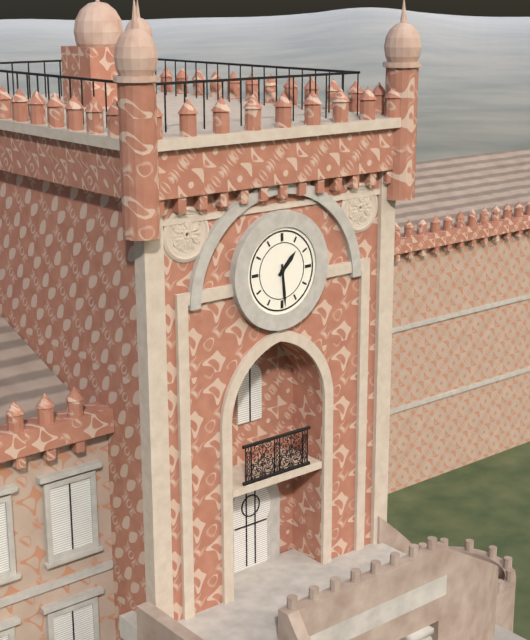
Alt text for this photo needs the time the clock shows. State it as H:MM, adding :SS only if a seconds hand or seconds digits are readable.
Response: 1:29
